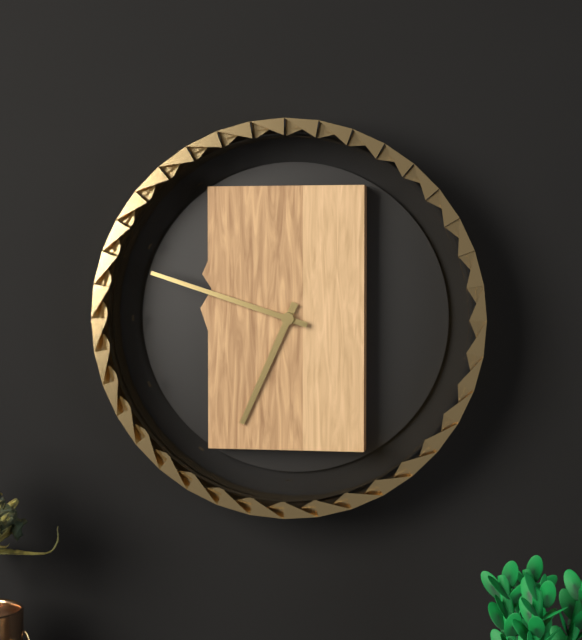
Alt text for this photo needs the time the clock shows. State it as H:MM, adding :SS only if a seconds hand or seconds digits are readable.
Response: 6:48
